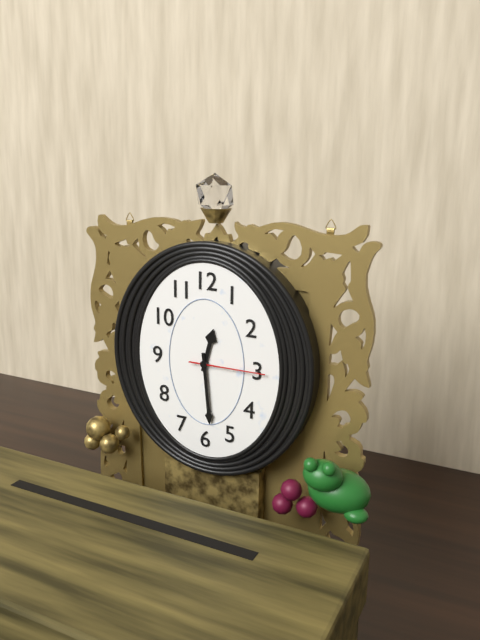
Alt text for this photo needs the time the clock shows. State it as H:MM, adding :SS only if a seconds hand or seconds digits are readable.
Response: 12:29:15
